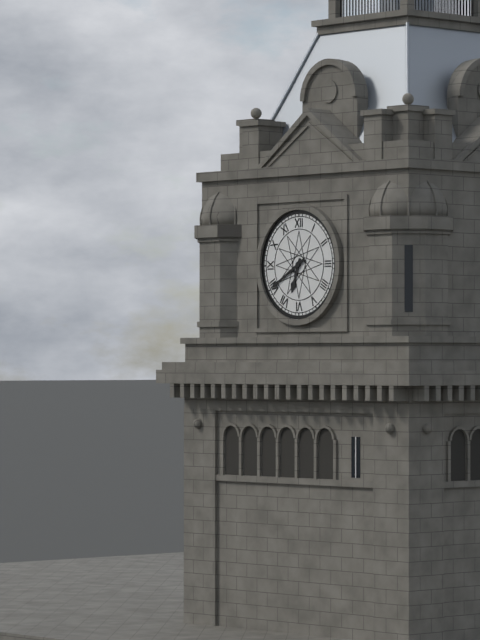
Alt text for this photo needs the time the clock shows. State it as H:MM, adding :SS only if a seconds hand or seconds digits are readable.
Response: 6:40
